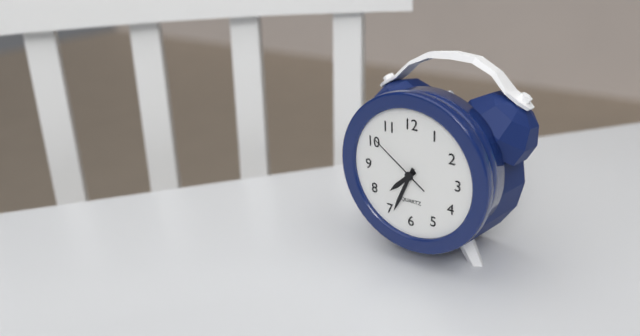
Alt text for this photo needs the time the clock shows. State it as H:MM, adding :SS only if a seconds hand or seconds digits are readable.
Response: 7:34:51
